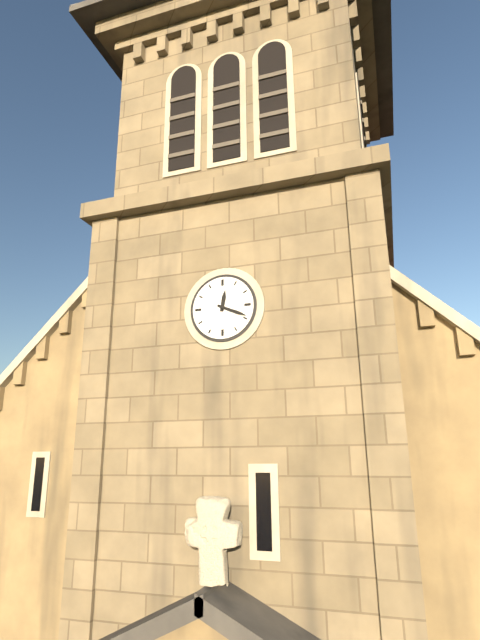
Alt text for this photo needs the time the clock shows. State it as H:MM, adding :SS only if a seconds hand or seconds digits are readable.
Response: 12:19
